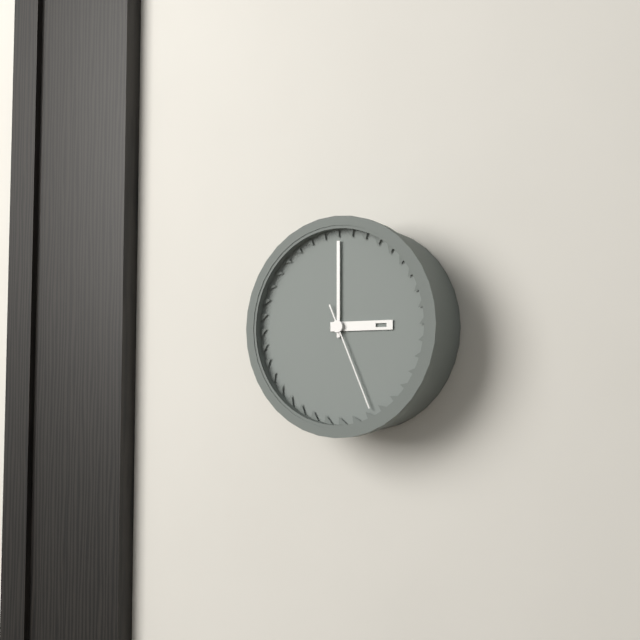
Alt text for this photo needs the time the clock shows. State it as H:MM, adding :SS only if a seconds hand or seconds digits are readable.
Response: 3:00:26
